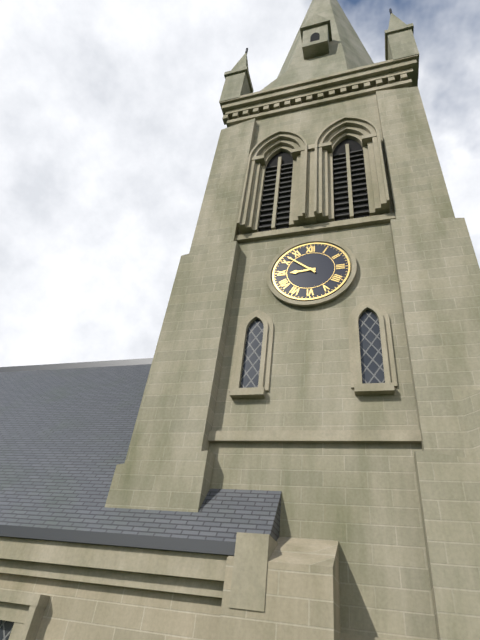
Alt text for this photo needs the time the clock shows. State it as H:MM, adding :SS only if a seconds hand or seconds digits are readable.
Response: 8:52
